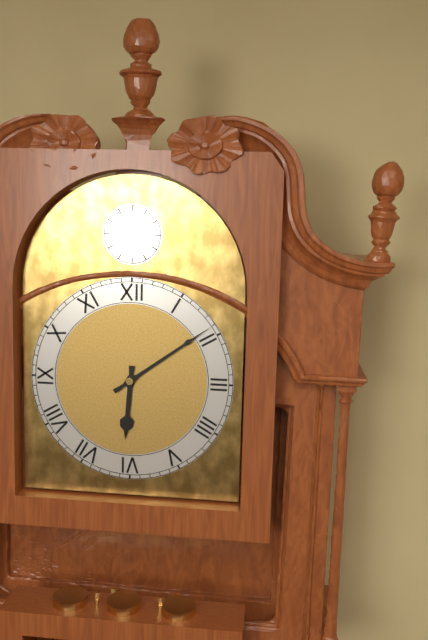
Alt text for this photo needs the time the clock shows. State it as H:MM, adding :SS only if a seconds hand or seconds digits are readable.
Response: 6:09
